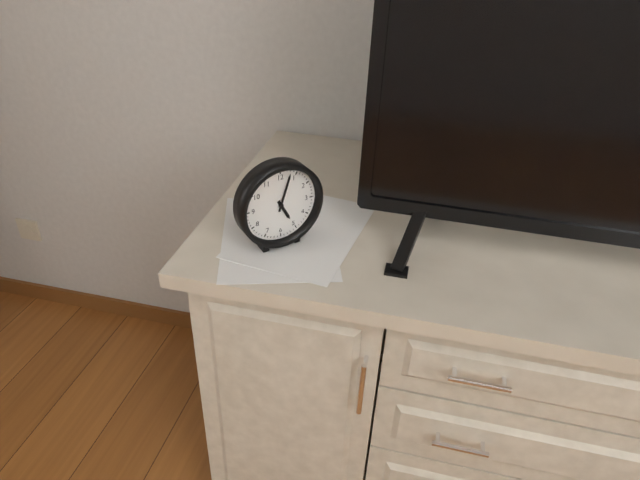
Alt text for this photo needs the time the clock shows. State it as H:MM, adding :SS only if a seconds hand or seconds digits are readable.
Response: 5:03
